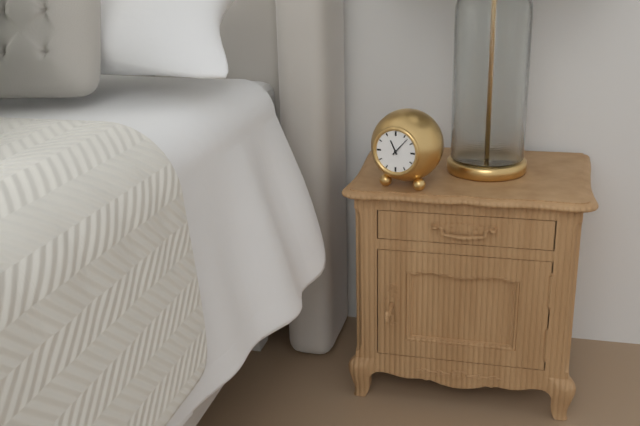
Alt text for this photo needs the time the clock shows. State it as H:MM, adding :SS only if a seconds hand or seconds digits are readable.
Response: 11:07
